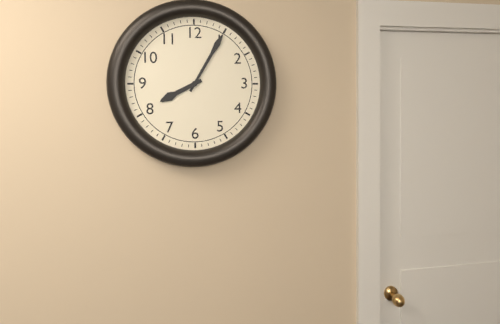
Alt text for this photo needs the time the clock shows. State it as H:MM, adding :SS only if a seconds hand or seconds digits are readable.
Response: 8:05
